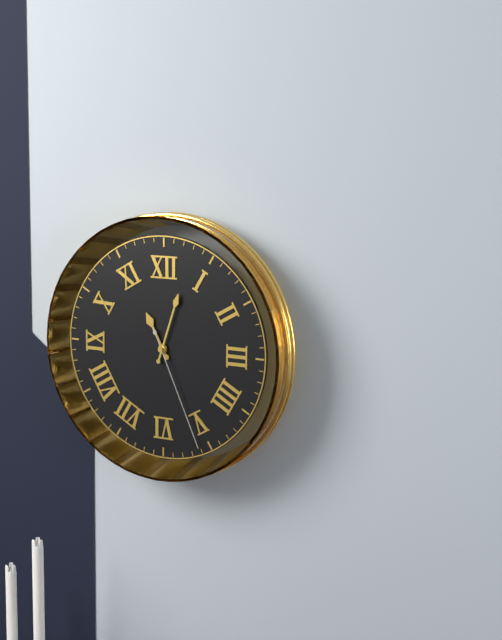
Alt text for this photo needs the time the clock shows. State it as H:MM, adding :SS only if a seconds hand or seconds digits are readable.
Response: 11:03:26
